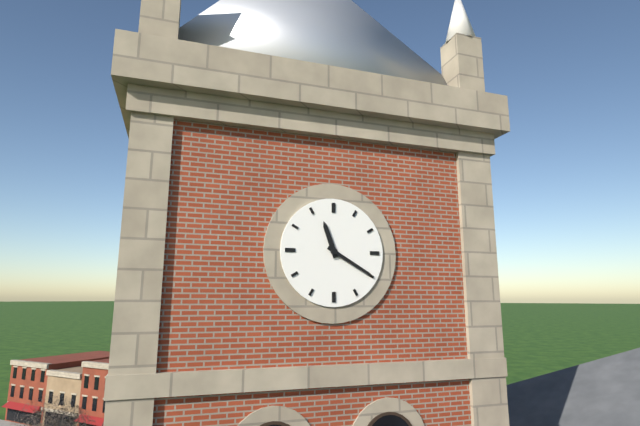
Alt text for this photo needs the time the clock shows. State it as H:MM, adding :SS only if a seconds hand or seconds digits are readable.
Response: 11:20
